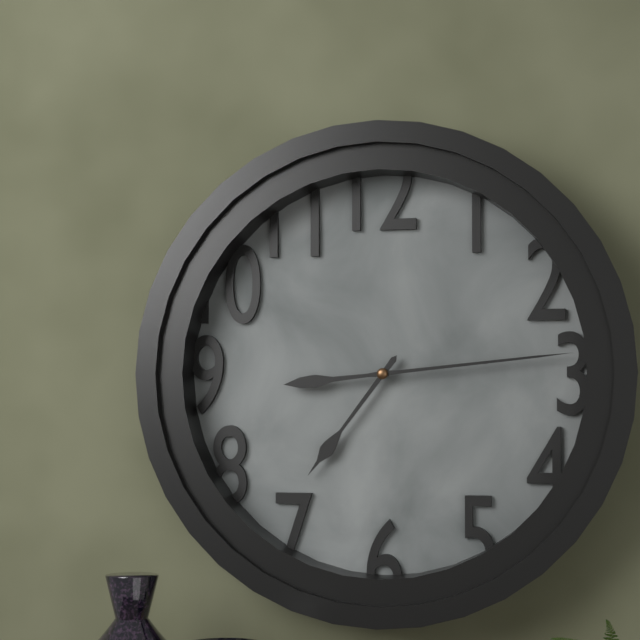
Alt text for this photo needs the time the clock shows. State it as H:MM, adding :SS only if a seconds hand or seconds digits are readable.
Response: 7:14
